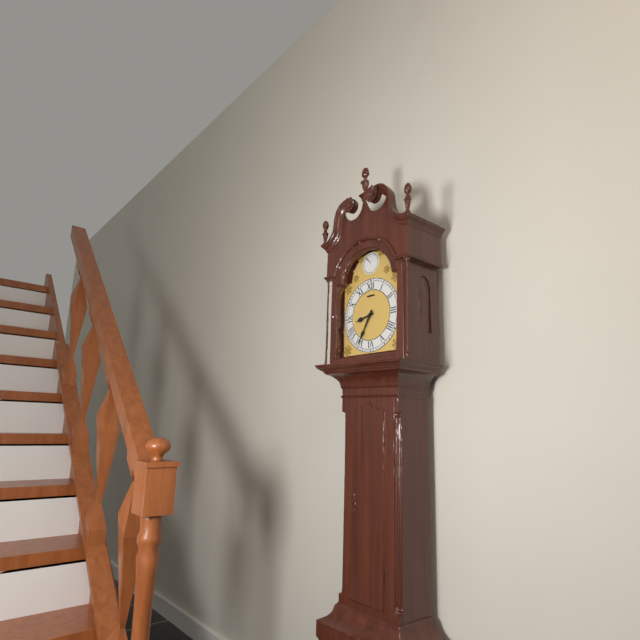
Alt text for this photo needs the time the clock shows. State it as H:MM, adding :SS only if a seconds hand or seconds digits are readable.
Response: 8:35
